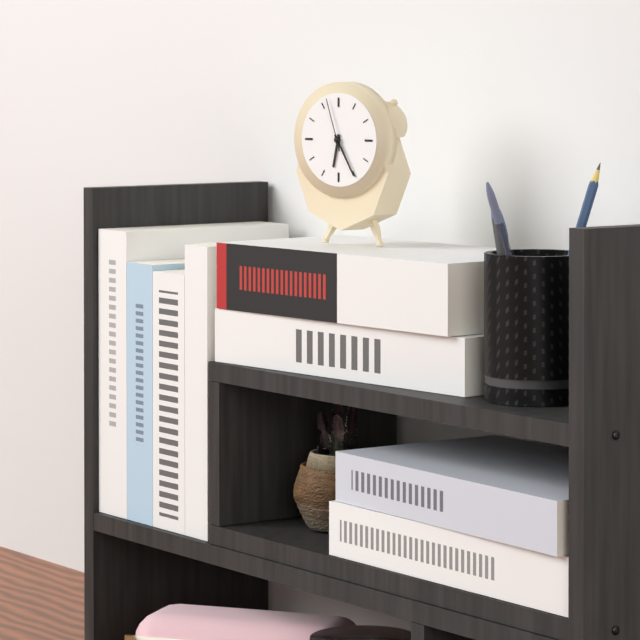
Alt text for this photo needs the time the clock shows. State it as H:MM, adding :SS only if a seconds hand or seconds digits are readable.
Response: 6:25:57
